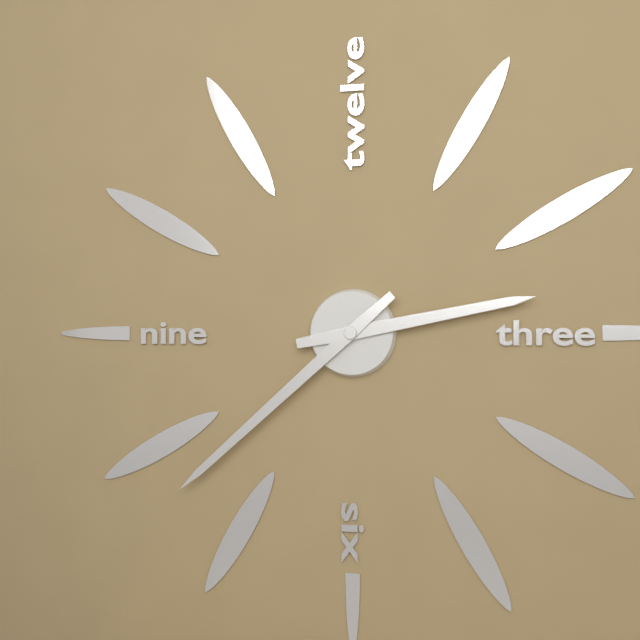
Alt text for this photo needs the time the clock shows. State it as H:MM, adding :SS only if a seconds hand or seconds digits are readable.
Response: 2:38
